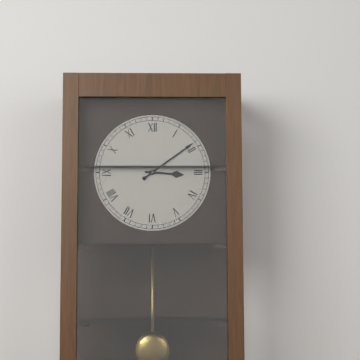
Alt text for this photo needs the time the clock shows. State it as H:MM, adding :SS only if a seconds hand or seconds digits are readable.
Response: 3:09
